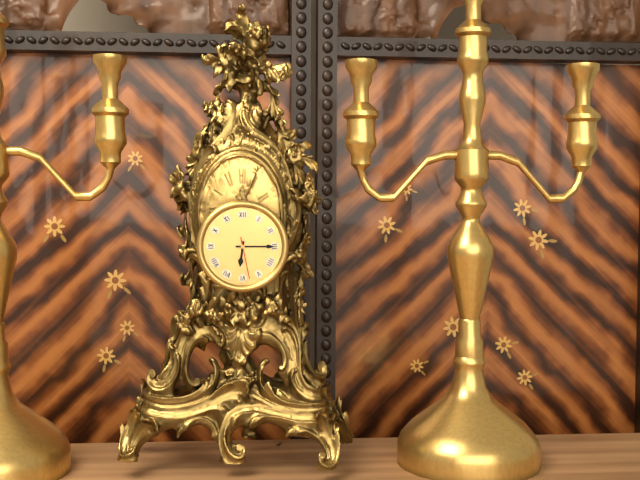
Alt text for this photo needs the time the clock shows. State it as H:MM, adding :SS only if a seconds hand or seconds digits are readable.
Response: 6:15
